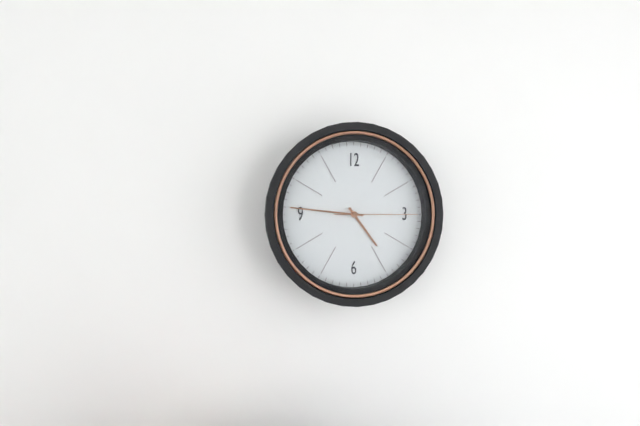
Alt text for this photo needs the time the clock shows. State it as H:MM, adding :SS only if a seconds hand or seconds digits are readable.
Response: 4:46:15
